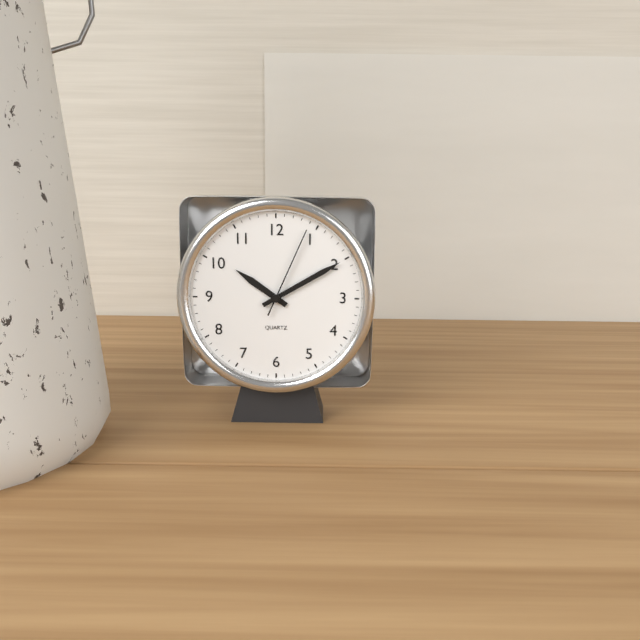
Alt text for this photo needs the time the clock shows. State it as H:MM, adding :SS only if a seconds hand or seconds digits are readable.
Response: 10:10:04
